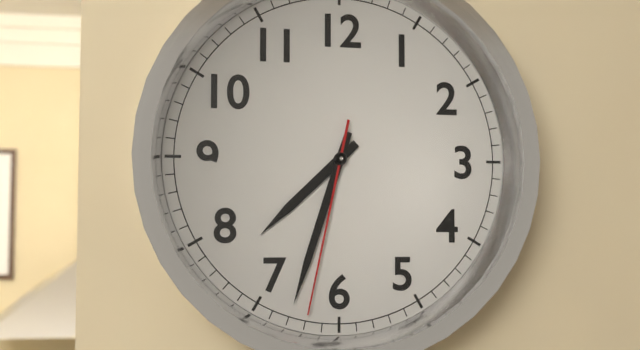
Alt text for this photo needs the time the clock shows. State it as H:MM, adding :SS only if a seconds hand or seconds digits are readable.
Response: 7:33:32
